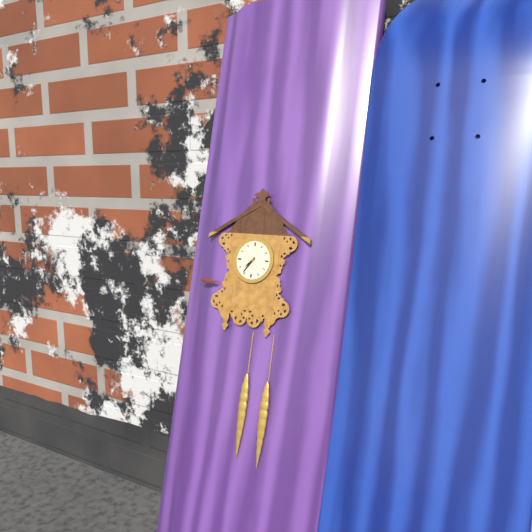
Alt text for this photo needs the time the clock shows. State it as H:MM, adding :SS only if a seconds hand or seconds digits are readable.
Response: 7:36
